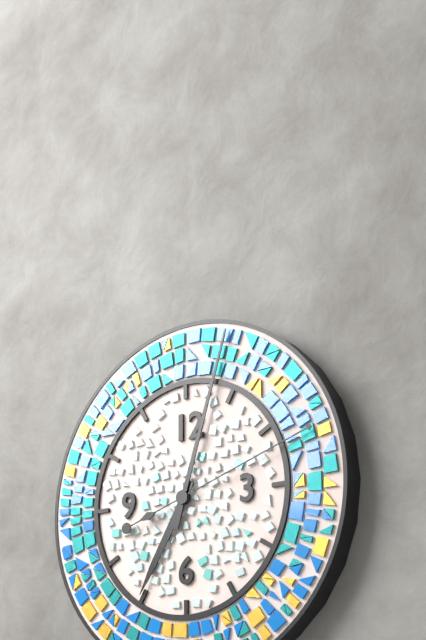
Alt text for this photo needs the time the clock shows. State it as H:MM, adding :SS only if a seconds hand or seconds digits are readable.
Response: 7:03:12
